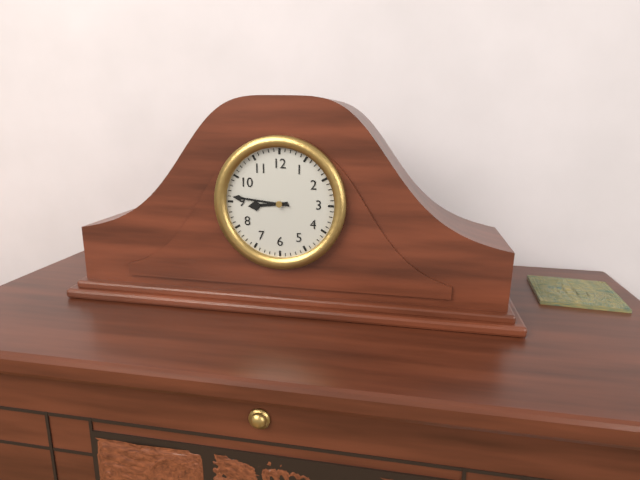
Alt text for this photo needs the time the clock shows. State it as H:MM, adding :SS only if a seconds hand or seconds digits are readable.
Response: 8:46
